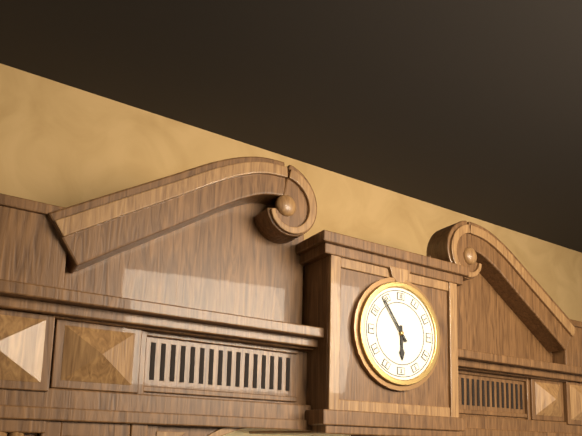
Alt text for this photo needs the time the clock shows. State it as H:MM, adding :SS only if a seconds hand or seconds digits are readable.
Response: 5:54
